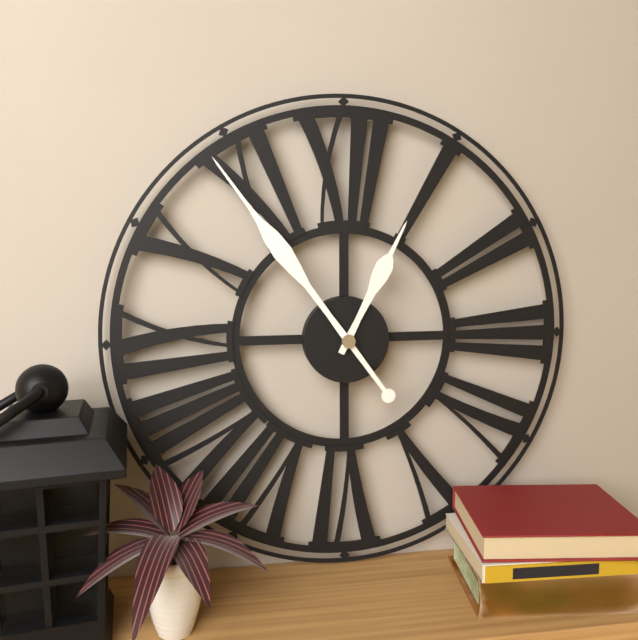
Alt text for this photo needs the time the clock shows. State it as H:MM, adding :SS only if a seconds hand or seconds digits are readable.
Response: 12:54
